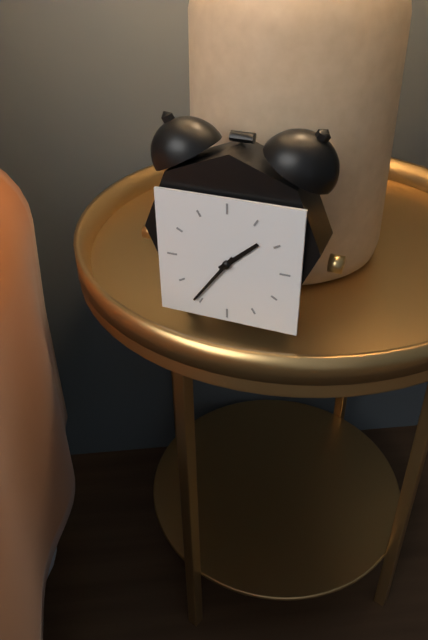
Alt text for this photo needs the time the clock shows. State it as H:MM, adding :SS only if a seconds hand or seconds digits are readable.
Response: 1:36
